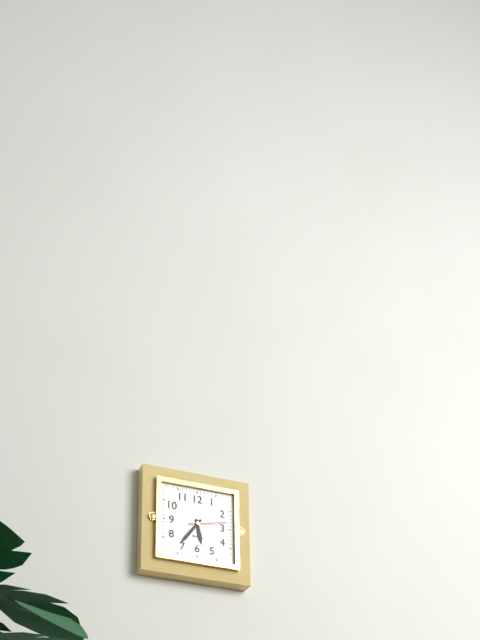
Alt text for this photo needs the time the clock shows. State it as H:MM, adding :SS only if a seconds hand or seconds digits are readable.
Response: 5:36
